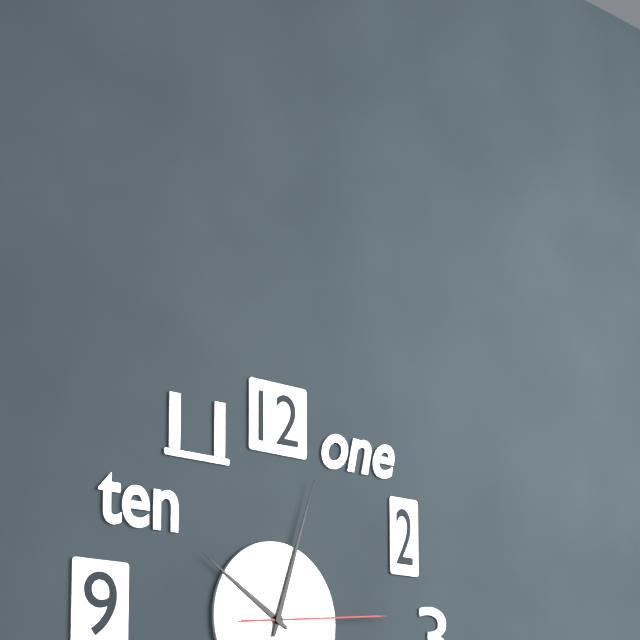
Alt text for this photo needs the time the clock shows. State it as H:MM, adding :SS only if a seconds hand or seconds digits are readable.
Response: 10:03:14
